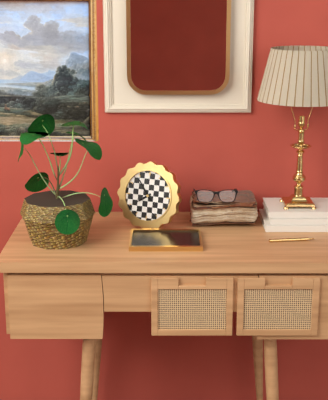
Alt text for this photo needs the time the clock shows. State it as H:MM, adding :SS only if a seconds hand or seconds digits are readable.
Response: 7:54
